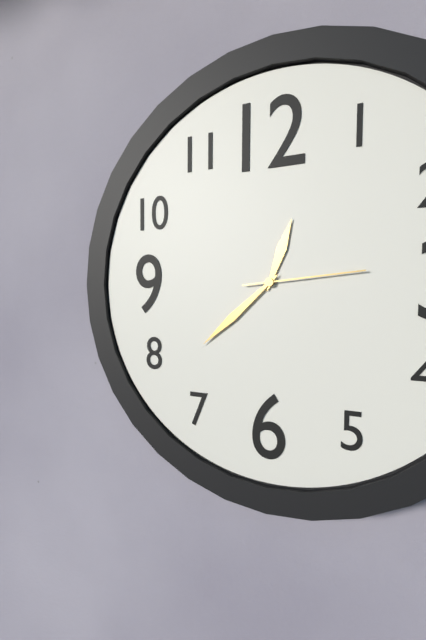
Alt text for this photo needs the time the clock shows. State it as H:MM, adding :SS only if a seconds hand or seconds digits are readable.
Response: 12:38:14
